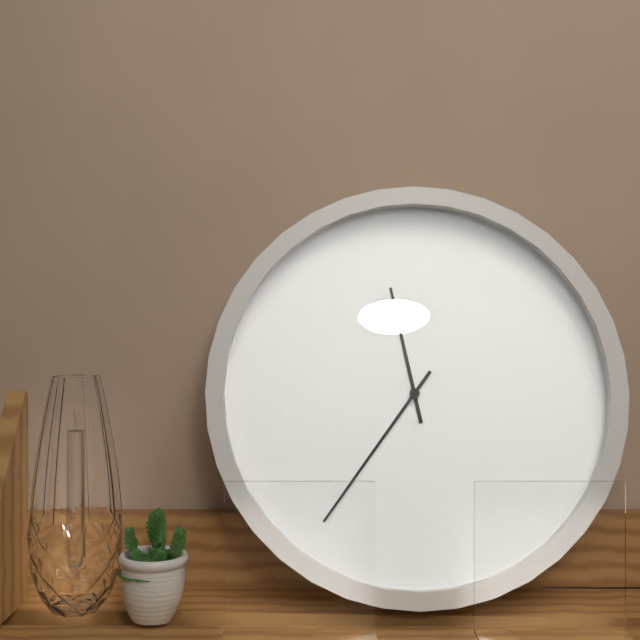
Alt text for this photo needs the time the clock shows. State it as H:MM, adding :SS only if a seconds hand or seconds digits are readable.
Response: 11:36
